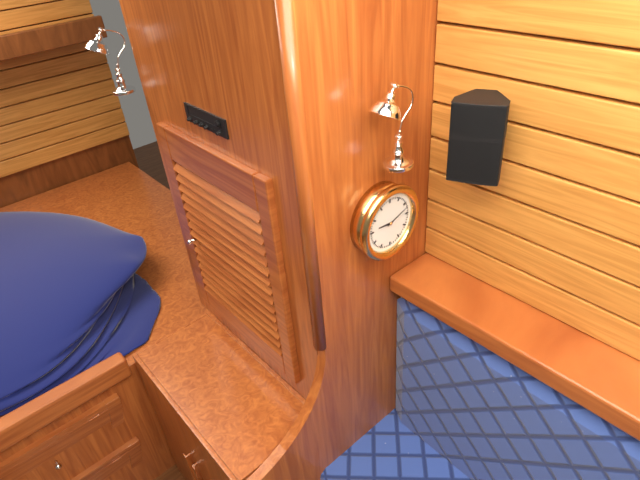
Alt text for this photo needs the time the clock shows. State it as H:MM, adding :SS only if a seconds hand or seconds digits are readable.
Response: 9:12
